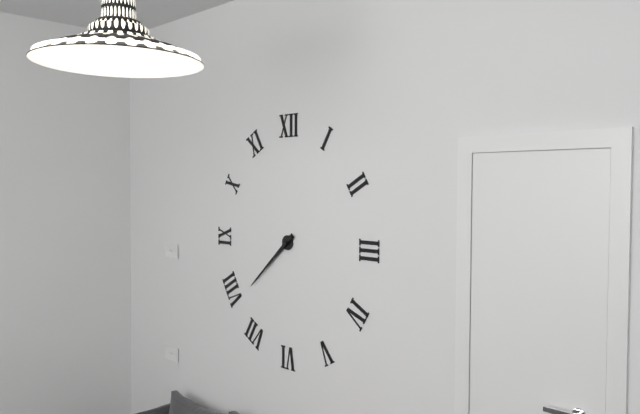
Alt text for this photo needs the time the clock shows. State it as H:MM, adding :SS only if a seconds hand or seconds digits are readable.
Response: 7:38
